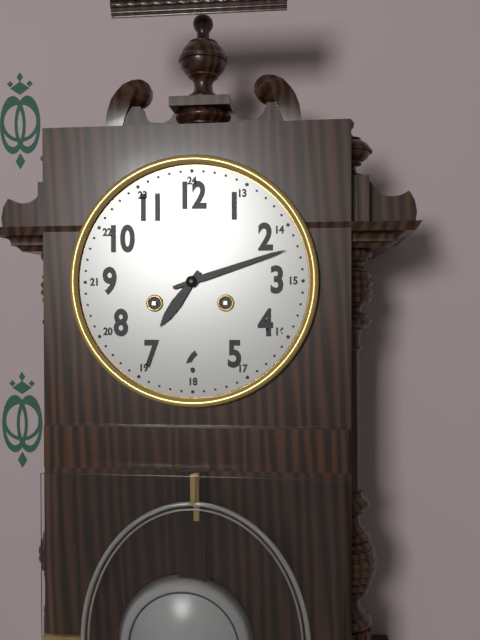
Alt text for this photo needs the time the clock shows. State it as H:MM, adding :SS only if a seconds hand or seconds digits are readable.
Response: 7:12
